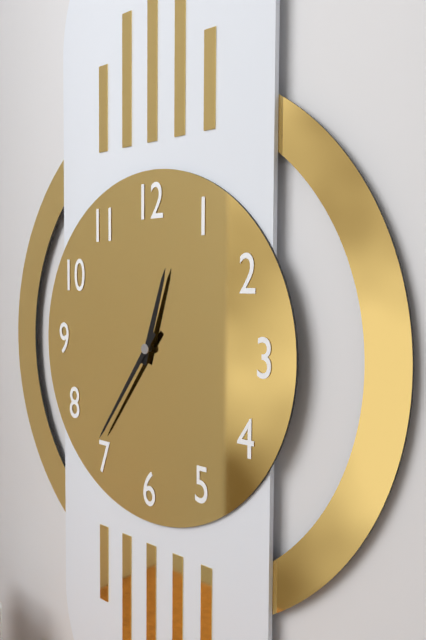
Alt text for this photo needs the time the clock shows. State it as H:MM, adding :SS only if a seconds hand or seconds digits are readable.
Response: 12:36
